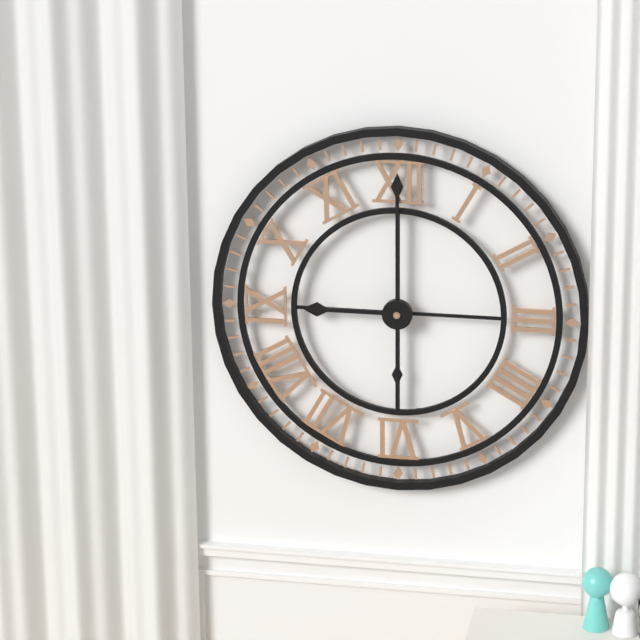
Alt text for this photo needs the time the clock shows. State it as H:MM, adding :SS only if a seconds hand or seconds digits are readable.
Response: 9:00
